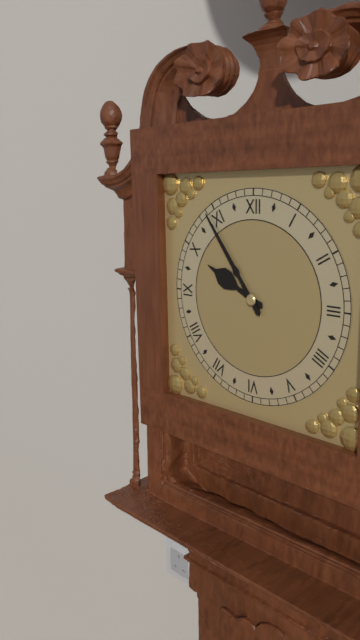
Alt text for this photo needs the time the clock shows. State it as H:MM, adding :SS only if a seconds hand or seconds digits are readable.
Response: 9:54
